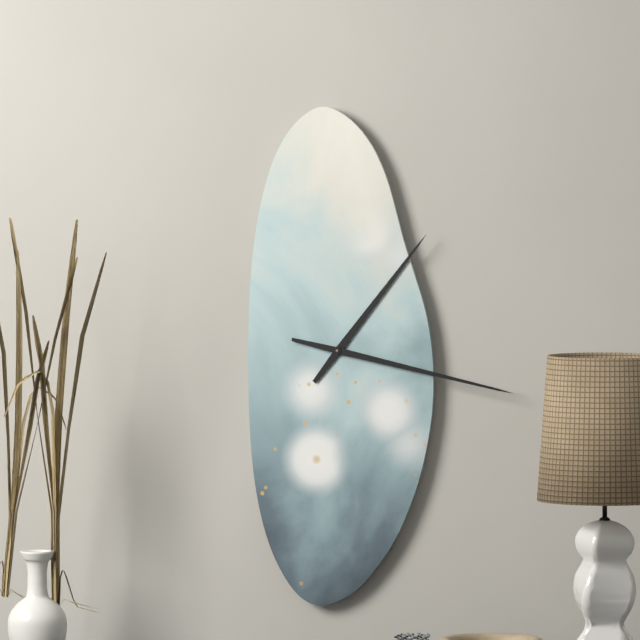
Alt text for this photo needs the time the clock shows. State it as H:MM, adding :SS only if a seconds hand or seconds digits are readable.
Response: 1:17
